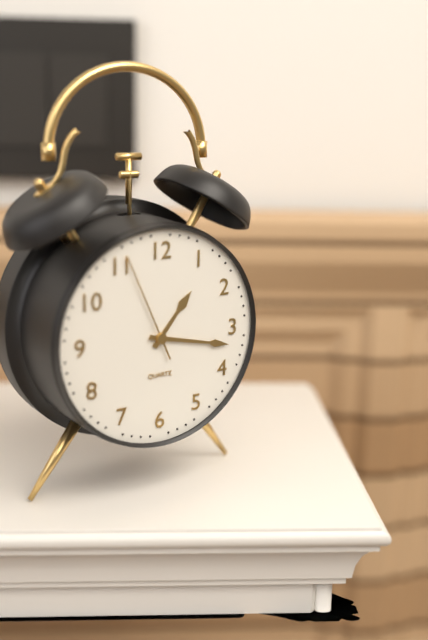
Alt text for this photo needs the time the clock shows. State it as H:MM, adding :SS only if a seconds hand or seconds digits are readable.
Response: 1:17:56
